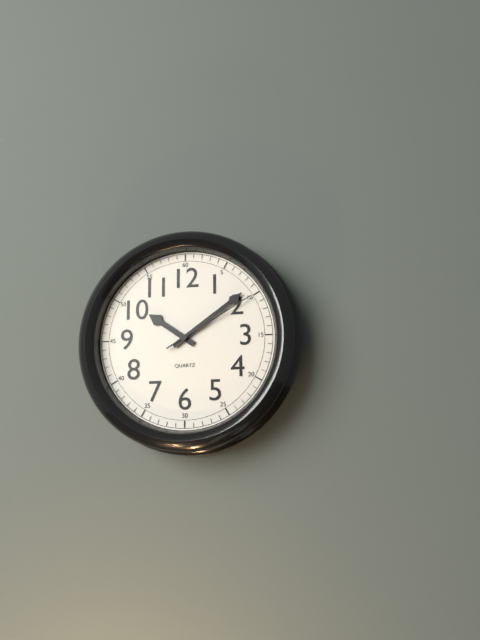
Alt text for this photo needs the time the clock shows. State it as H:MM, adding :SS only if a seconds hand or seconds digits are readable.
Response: 10:09:10
